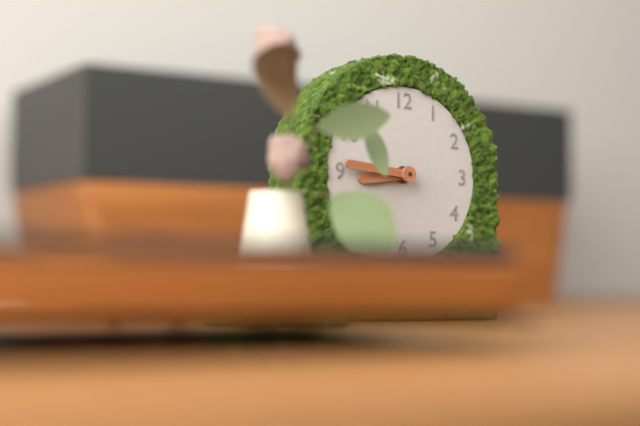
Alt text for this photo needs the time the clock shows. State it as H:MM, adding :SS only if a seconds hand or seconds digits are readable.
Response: 8:46
